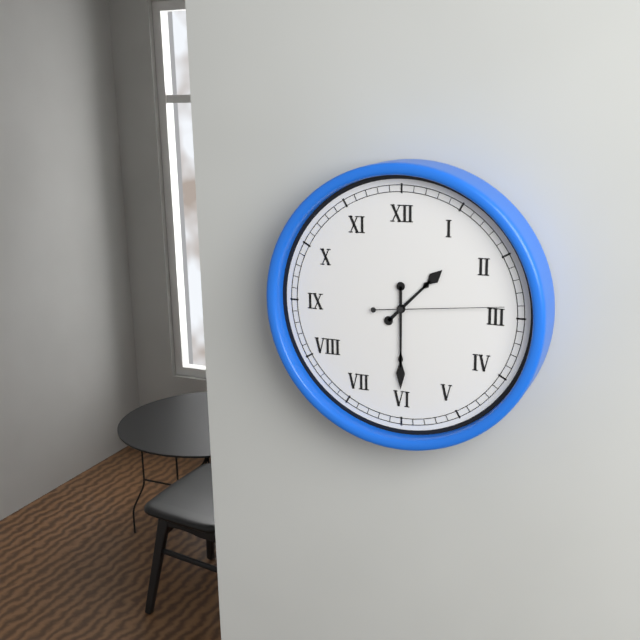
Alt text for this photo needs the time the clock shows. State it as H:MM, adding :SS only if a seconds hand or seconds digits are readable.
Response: 1:30:14
